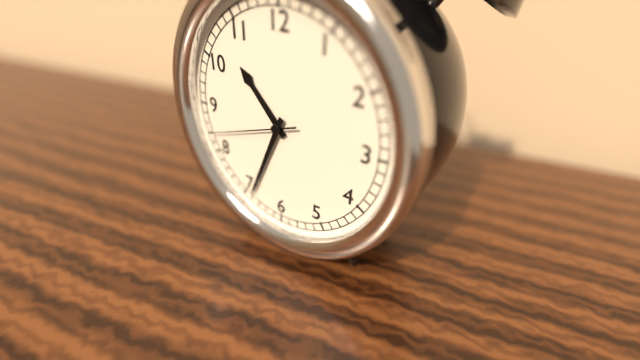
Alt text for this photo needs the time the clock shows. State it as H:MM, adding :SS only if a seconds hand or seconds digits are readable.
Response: 10:34:42
